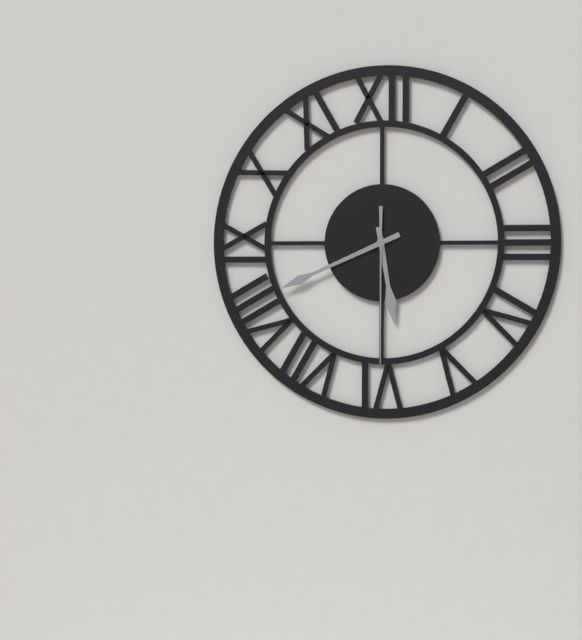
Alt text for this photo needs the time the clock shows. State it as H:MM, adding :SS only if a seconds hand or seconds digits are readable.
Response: 5:41:30
